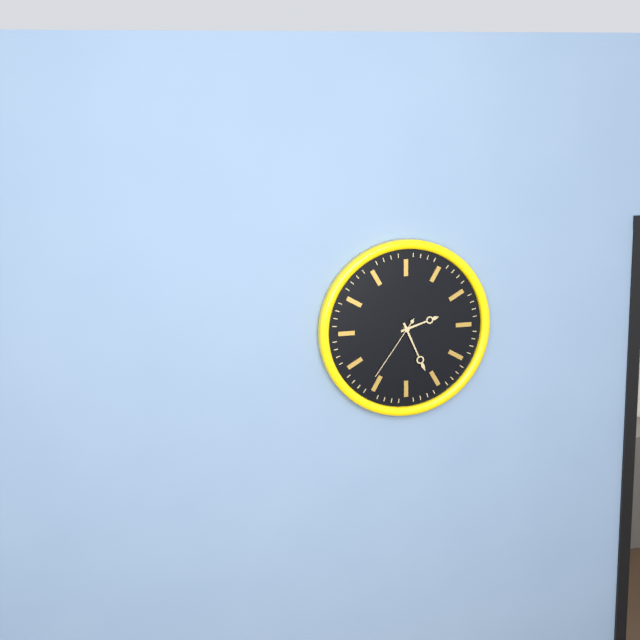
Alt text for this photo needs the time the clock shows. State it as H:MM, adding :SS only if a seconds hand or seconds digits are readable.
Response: 2:26:36
